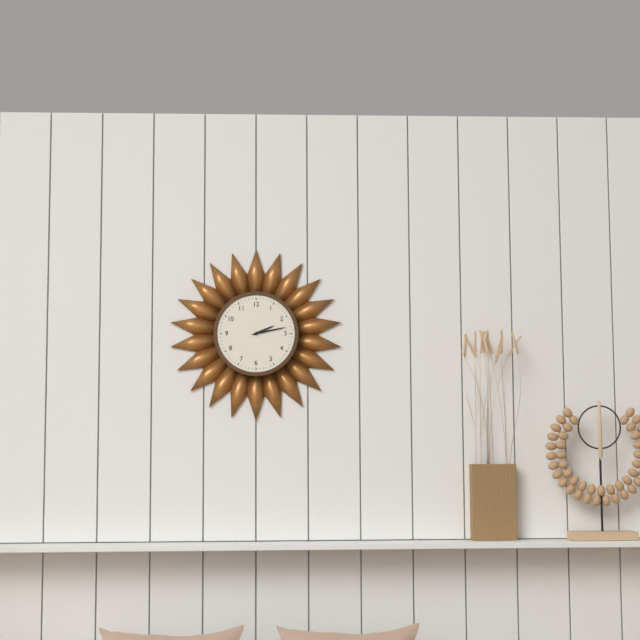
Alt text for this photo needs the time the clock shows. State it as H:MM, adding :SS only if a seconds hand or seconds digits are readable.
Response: 2:13
